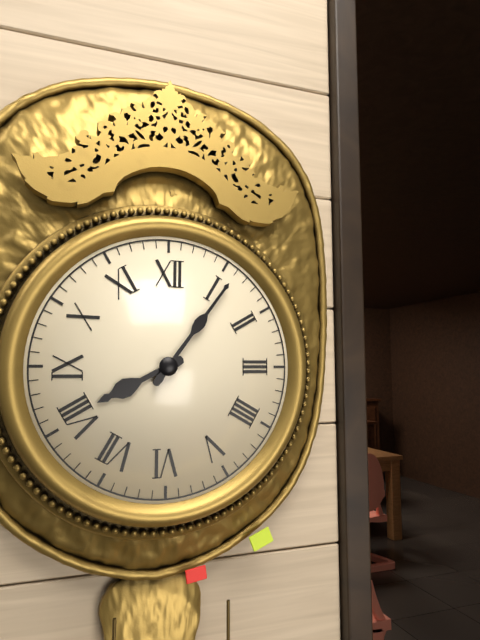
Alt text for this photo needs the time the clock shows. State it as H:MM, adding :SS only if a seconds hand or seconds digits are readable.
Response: 8:06
